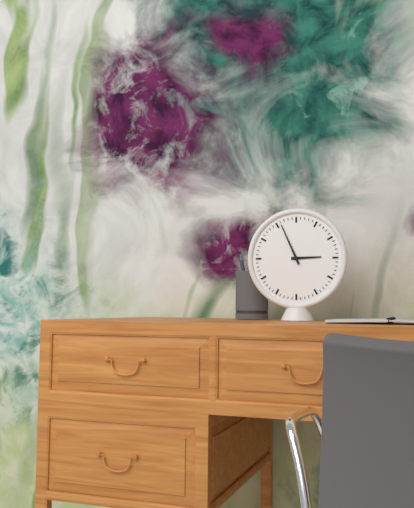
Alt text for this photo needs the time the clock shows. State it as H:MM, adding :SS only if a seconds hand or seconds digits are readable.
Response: 2:56
